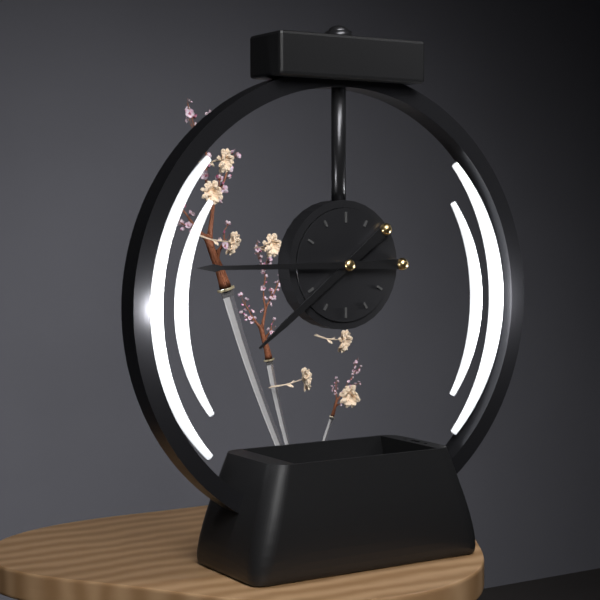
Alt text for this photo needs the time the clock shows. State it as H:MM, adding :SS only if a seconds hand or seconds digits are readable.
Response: 7:45
